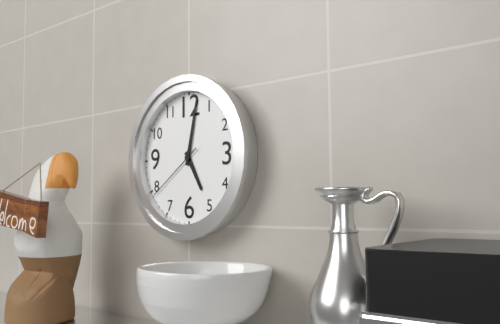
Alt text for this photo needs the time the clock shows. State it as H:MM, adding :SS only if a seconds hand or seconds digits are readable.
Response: 5:02:39
